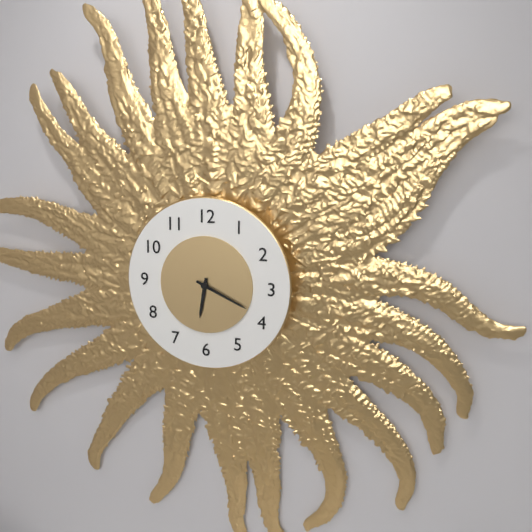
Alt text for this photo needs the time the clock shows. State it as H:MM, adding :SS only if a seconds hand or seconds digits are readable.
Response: 6:19
